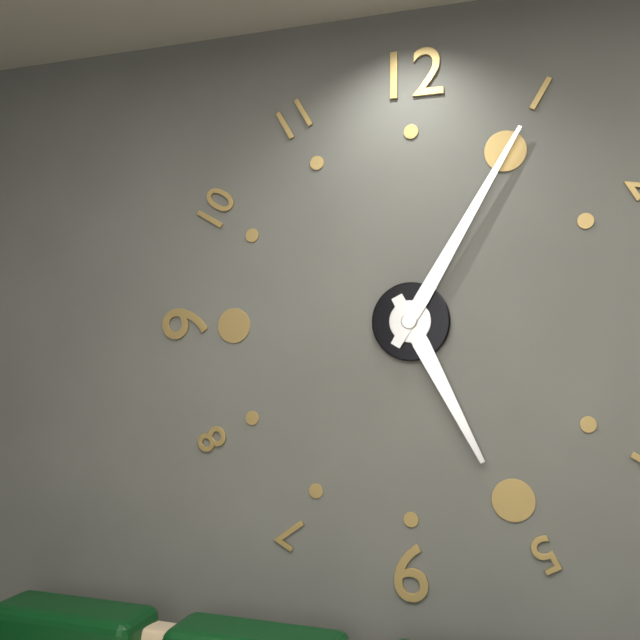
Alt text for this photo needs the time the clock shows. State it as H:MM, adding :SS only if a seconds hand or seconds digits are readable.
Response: 5:05
